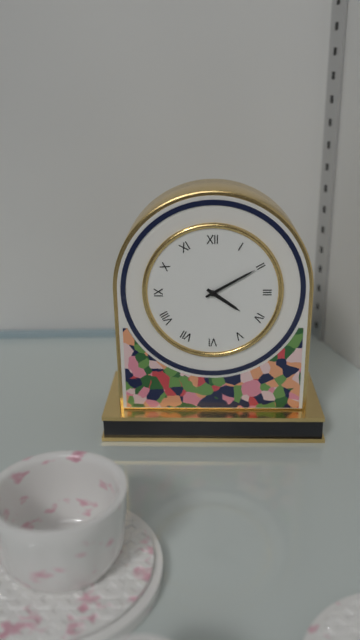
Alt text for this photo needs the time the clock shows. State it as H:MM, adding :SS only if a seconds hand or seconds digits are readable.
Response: 4:10
